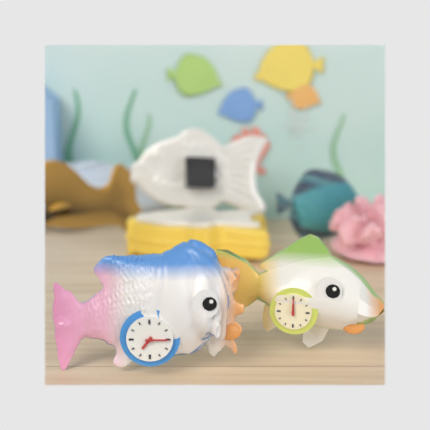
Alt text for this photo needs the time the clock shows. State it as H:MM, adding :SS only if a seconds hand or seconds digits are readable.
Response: 7:15
